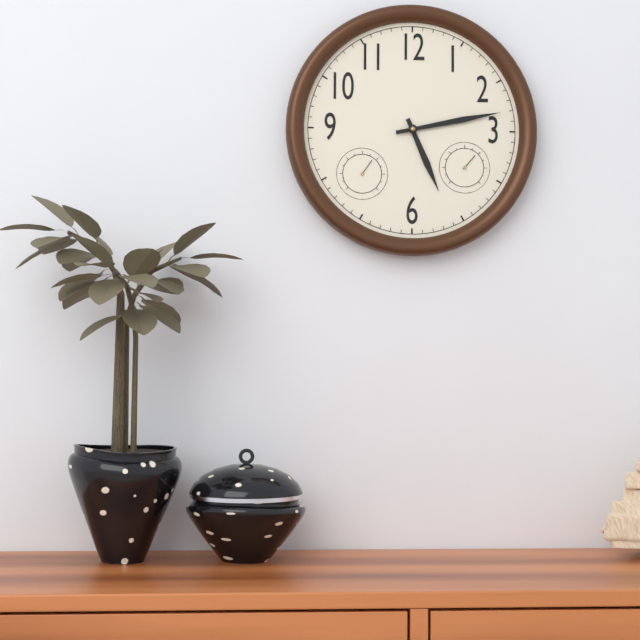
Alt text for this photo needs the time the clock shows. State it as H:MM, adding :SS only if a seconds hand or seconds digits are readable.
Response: 5:13
